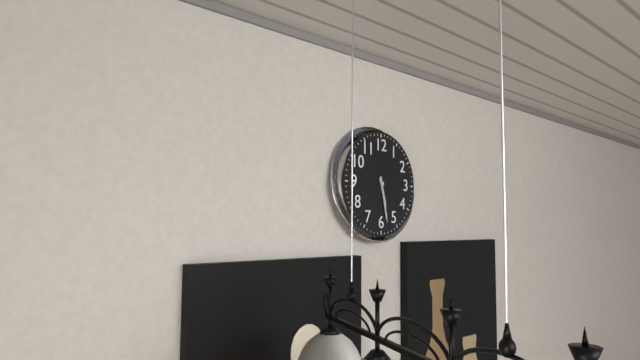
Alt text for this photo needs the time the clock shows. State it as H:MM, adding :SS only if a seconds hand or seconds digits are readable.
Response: 5:28
